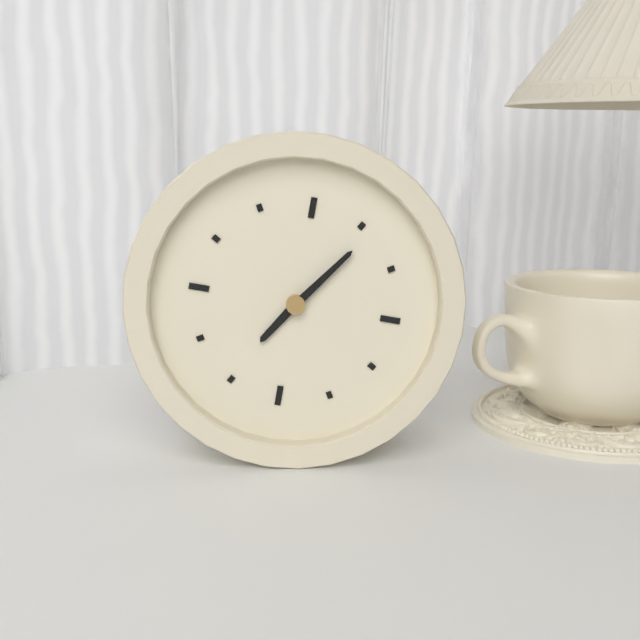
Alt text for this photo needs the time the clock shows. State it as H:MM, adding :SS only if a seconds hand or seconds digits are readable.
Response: 7:06
